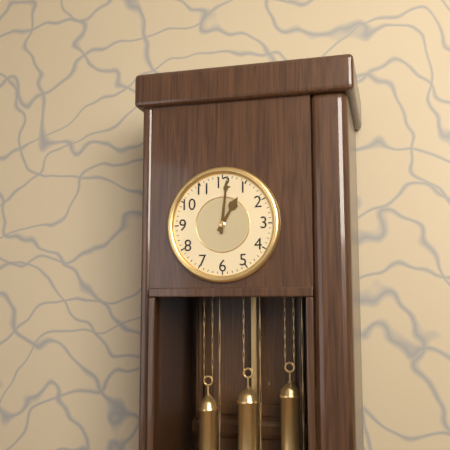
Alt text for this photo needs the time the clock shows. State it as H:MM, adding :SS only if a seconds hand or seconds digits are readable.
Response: 1:01
